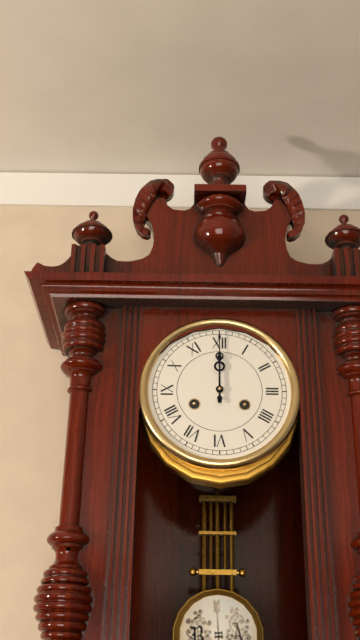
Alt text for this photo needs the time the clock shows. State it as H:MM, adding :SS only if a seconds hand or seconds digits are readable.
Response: 12:00
